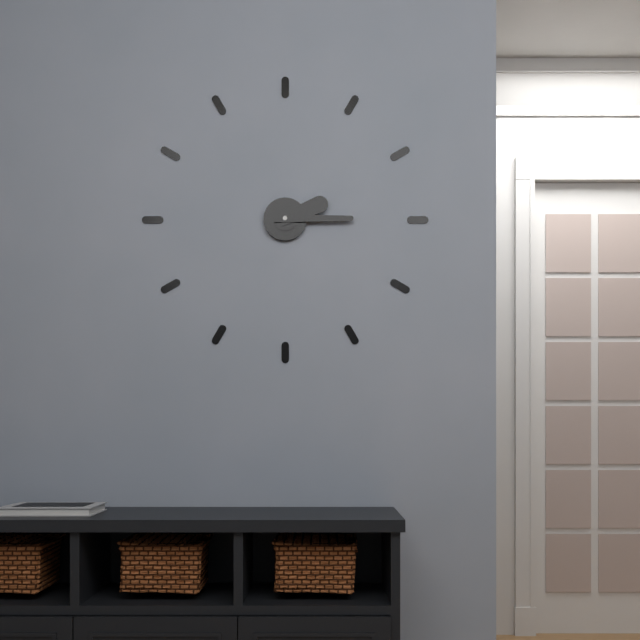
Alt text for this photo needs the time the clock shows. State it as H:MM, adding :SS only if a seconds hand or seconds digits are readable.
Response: 2:15
